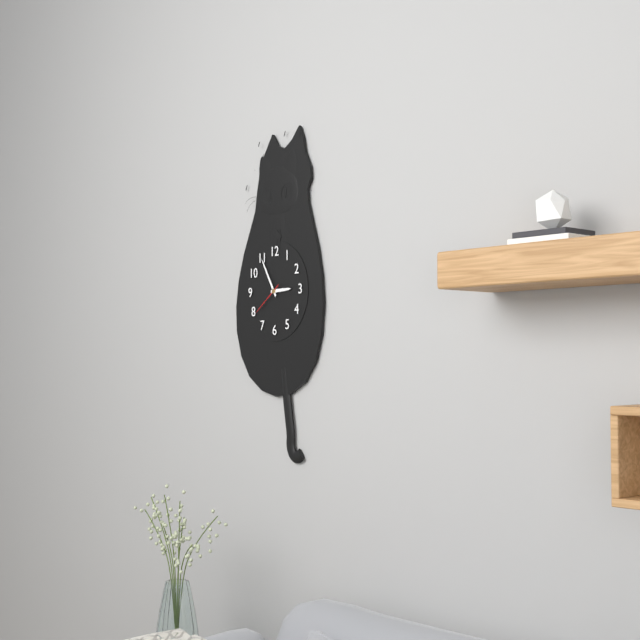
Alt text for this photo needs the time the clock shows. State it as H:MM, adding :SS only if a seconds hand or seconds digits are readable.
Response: 2:55
